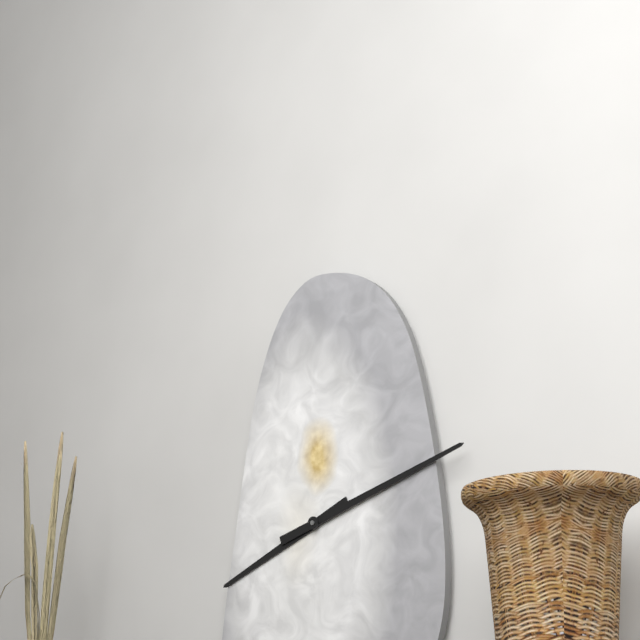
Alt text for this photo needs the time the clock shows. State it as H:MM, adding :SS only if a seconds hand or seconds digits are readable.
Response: 8:12
